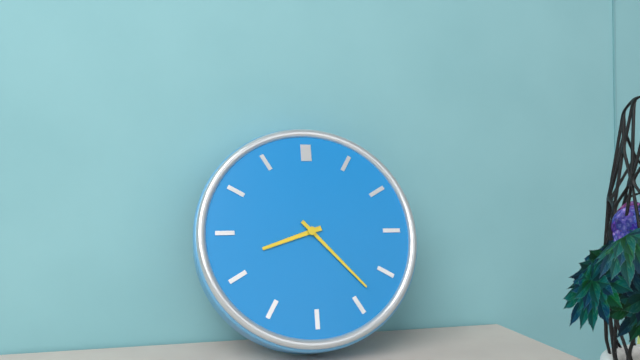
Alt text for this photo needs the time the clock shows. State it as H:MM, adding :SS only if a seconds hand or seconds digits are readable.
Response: 8:23
